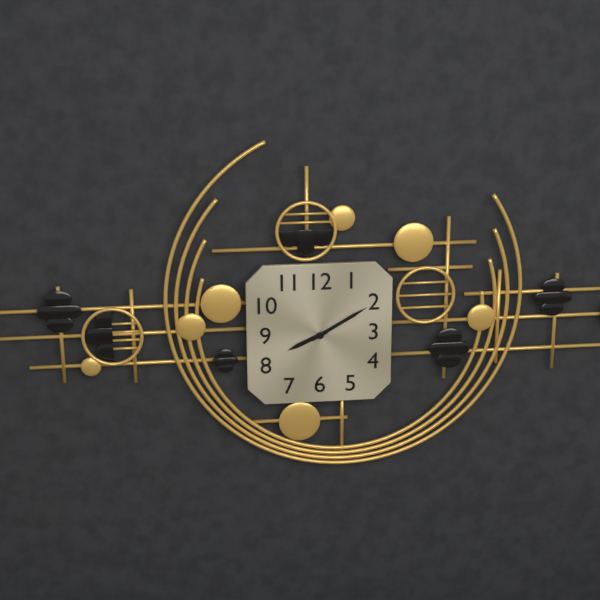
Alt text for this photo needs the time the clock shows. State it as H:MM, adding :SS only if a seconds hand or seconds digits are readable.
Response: 8:10
